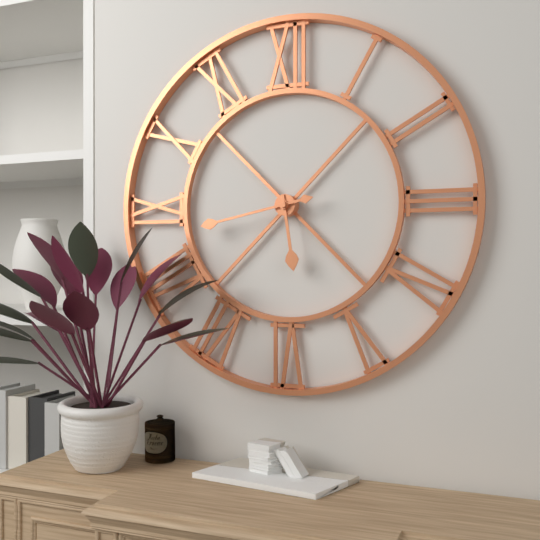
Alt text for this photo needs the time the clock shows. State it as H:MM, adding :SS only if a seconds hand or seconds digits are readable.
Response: 5:43
